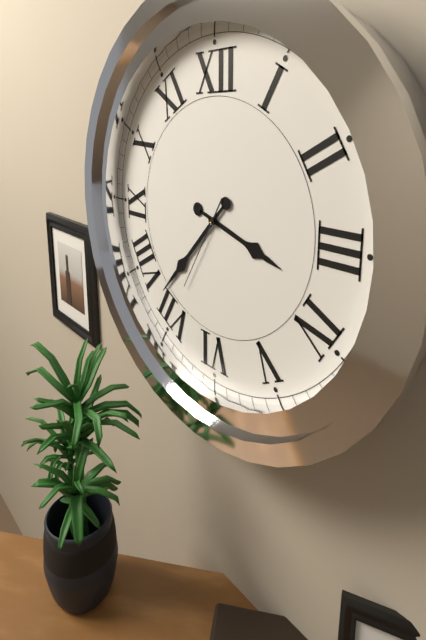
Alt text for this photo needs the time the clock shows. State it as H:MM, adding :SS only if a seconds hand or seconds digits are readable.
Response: 3:37:35
